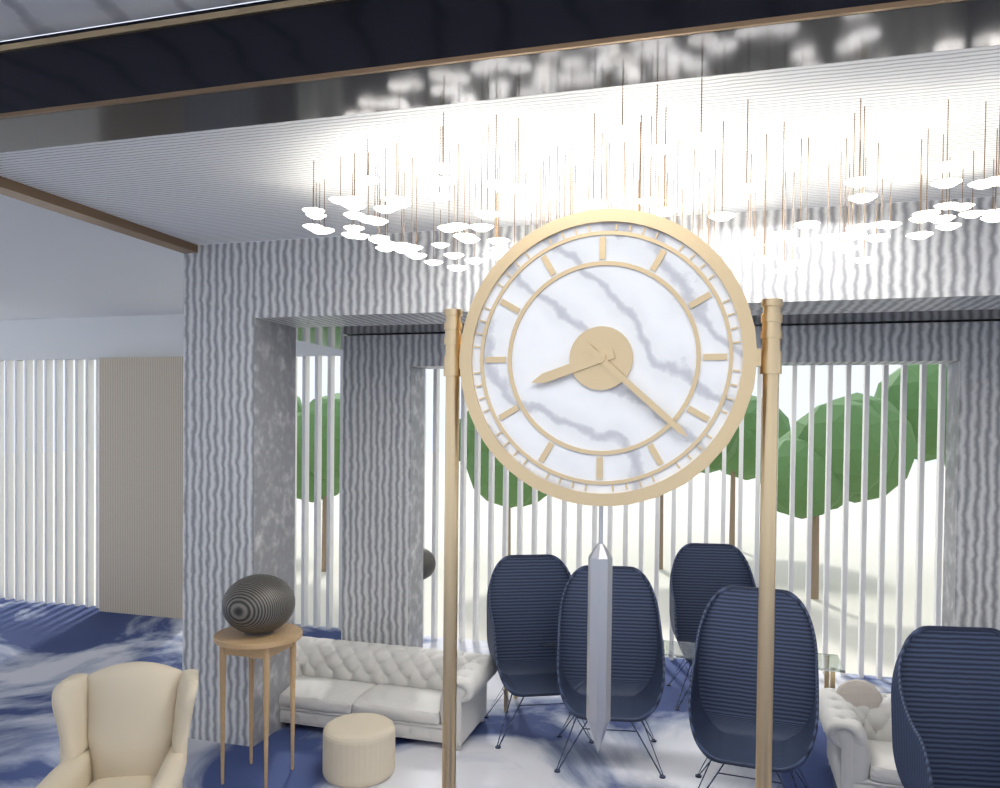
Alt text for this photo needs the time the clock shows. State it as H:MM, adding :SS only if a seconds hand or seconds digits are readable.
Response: 8:22
